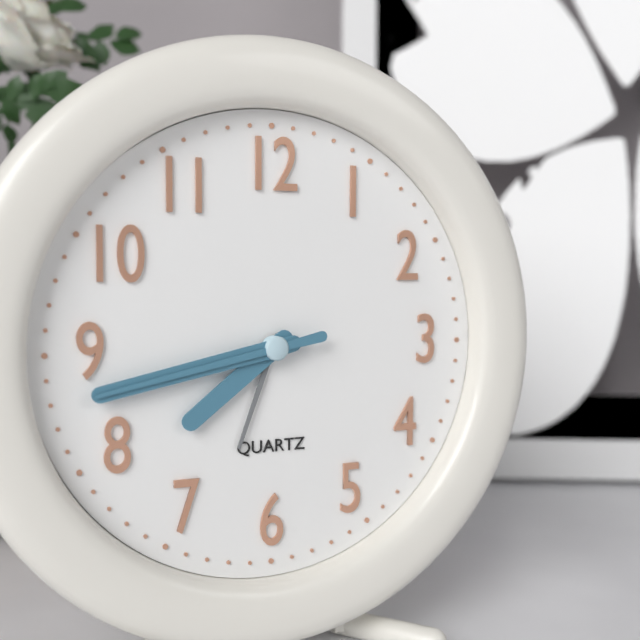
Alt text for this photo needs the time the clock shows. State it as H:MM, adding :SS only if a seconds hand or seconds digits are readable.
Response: 7:43:43
